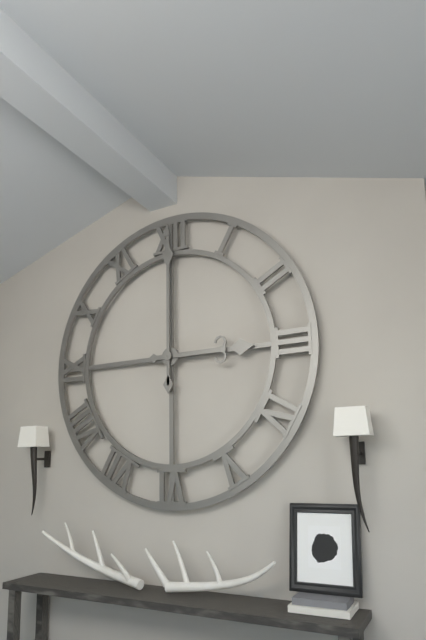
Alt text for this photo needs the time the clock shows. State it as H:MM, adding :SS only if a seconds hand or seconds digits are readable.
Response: 3:00
